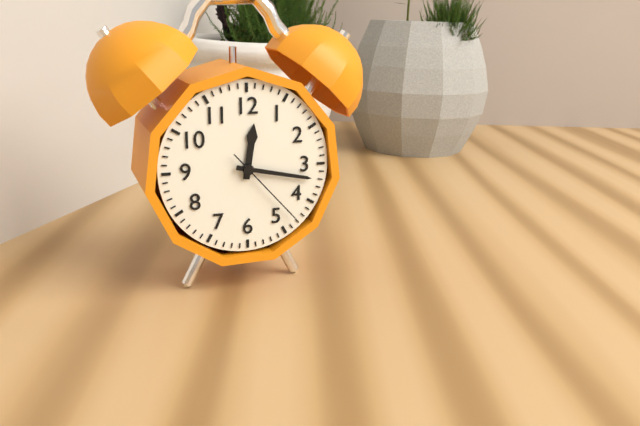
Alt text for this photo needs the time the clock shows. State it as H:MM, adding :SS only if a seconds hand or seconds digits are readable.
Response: 12:17:23
